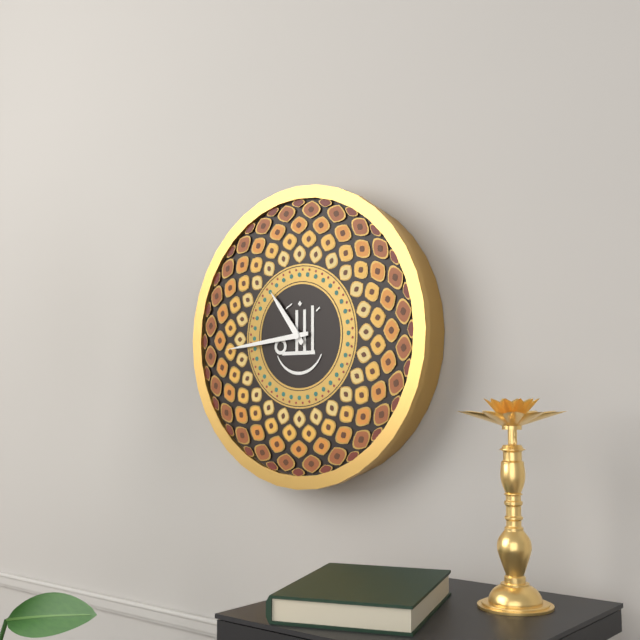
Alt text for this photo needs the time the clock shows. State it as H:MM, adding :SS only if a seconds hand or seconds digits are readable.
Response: 10:44
